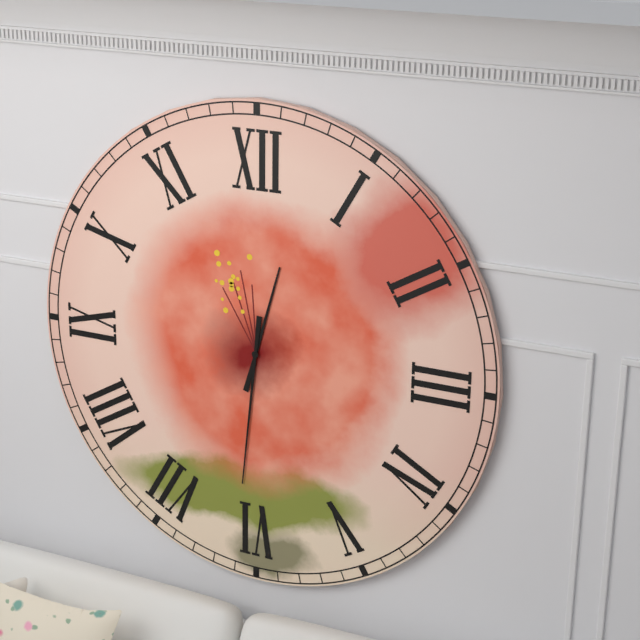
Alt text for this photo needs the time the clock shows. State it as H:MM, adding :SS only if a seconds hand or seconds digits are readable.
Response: 12:31
